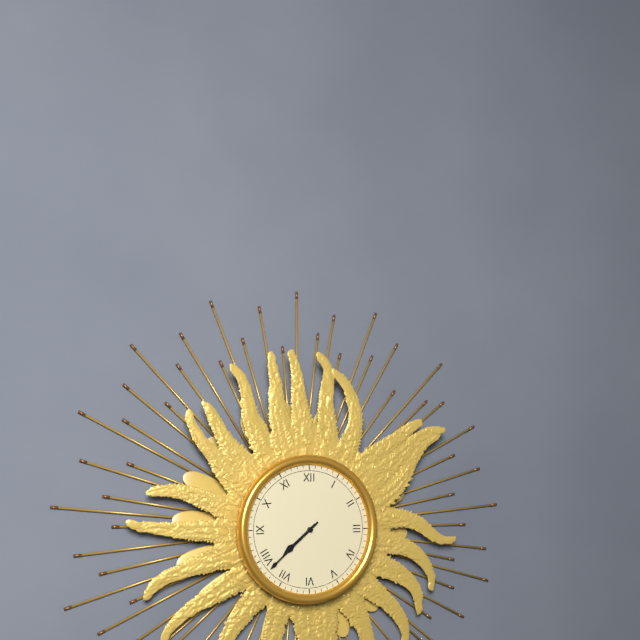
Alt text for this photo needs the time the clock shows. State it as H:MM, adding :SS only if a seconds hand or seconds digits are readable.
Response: 7:38
